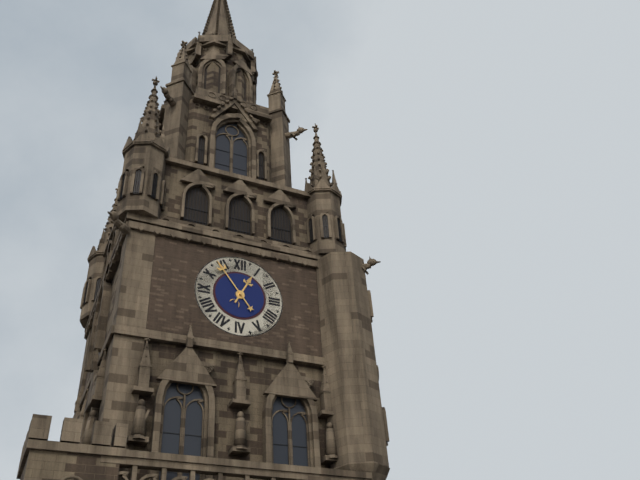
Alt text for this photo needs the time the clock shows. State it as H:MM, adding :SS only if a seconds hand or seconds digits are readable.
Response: 12:54
